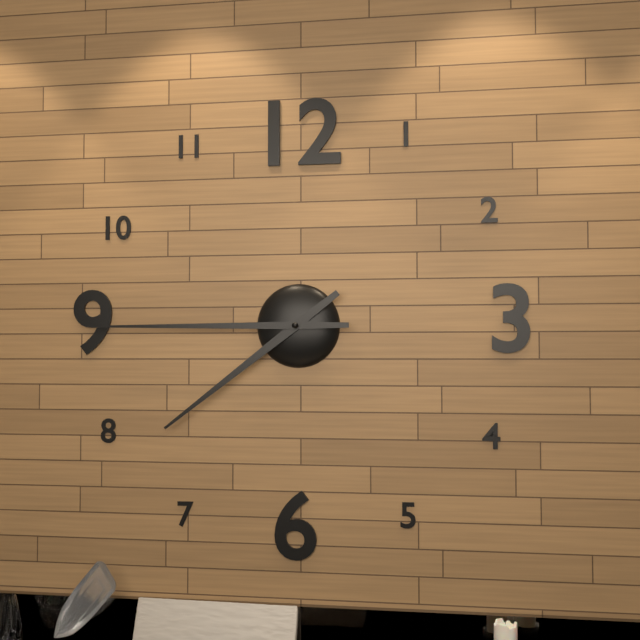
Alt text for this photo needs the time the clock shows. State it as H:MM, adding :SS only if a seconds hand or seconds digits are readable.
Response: 7:45
